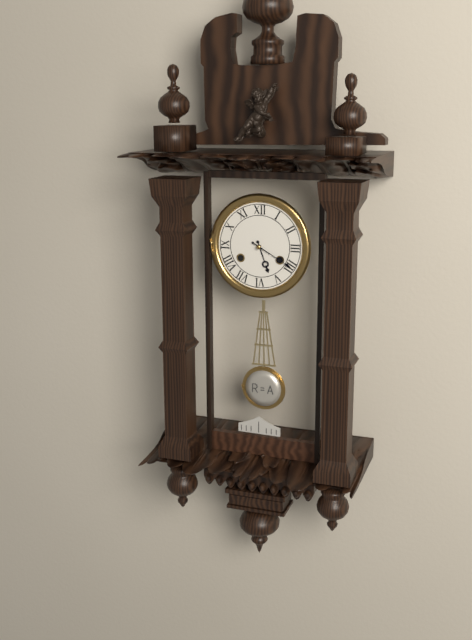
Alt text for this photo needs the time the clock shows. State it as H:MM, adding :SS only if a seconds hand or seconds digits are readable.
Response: 5:20
